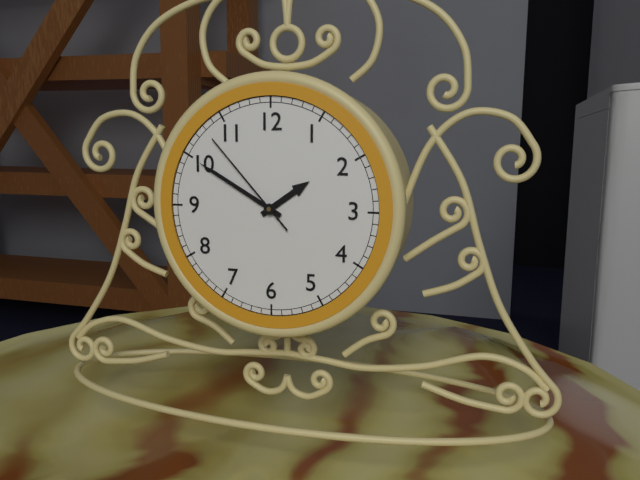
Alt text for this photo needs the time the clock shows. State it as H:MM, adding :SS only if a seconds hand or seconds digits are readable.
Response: 1:50:53
